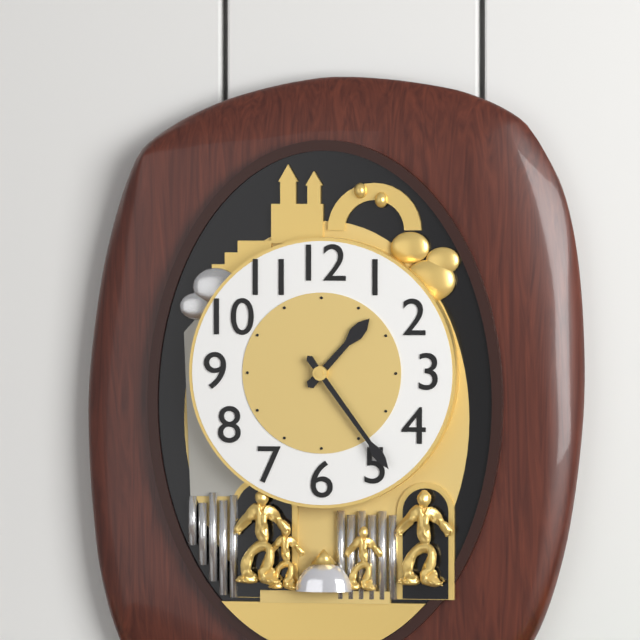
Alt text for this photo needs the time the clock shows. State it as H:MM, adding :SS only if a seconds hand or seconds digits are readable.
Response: 1:24
